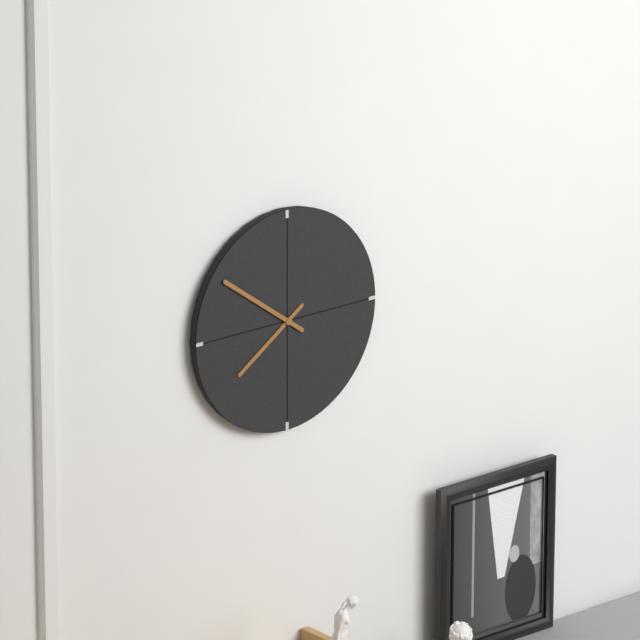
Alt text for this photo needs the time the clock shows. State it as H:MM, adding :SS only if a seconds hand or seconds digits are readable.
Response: 7:51
